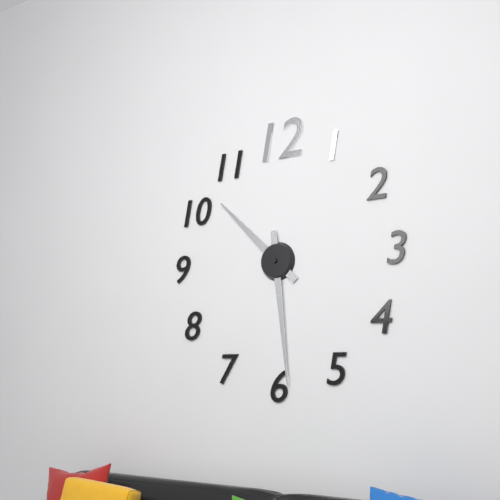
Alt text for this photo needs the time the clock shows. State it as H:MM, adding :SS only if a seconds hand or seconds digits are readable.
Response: 10:29
